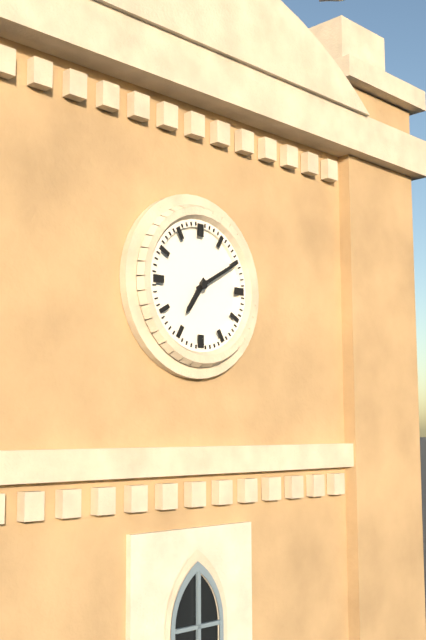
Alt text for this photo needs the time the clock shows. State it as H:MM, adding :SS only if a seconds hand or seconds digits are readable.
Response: 7:10
